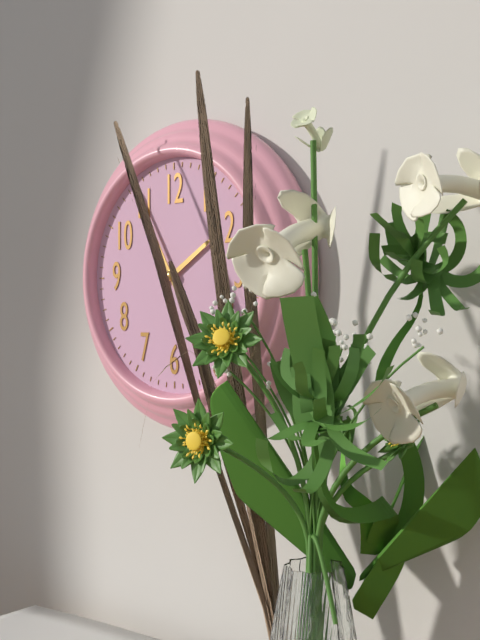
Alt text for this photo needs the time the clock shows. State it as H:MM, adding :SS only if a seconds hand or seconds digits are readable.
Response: 1:55
